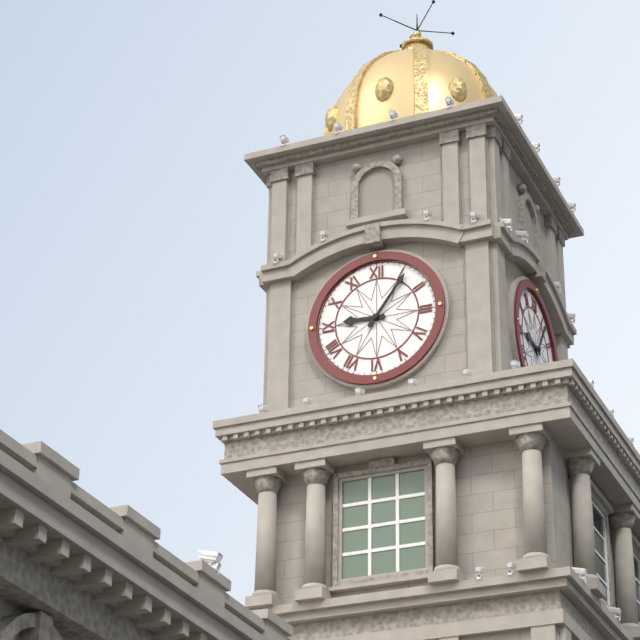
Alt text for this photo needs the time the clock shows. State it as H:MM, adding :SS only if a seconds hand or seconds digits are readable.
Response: 9:06
